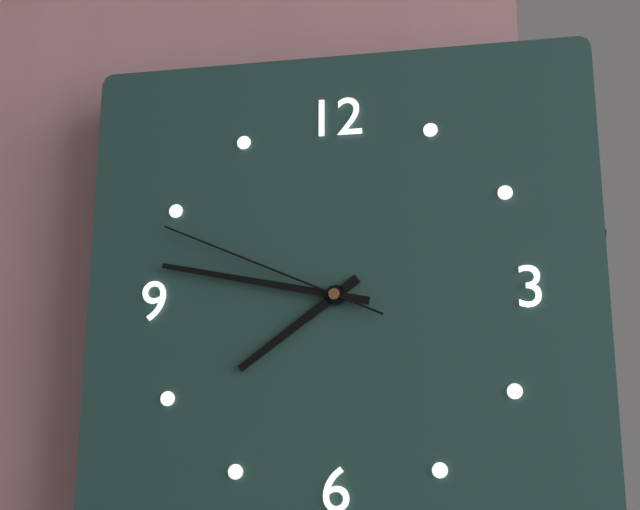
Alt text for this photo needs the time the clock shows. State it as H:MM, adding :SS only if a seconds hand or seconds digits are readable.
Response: 7:47:49
